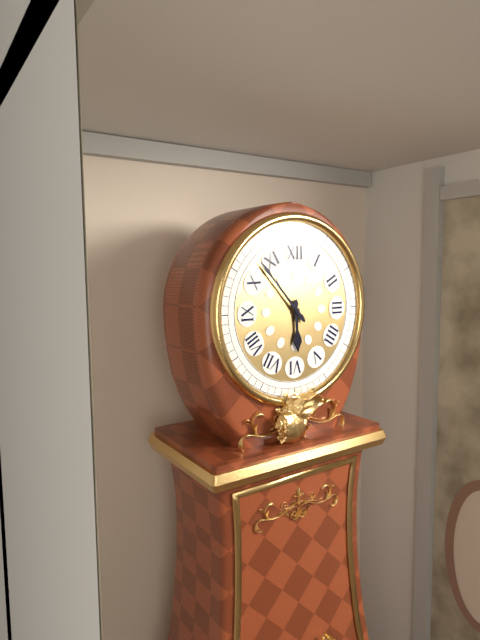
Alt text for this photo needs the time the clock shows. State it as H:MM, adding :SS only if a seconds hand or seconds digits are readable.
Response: 5:53
